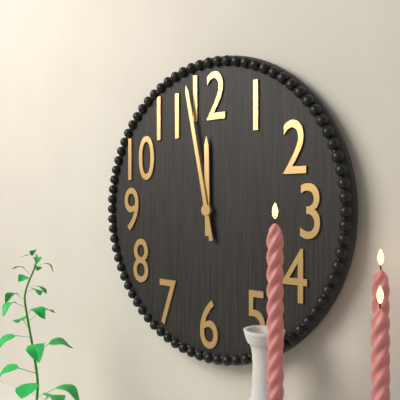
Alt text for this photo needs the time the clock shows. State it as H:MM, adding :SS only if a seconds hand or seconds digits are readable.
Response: 11:58
